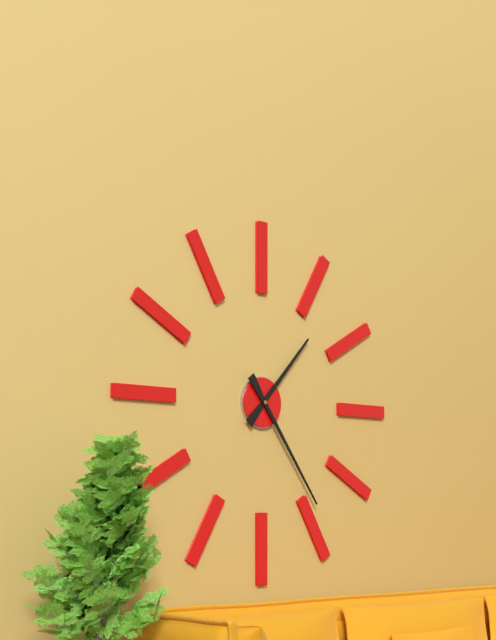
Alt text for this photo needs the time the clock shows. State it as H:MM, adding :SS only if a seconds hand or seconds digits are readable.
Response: 1:24
